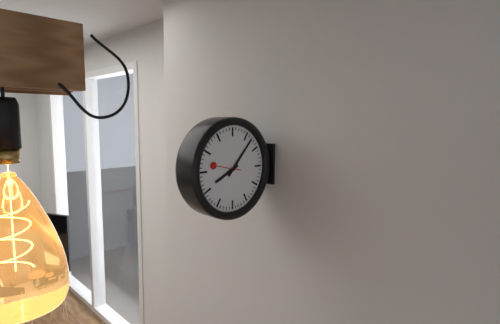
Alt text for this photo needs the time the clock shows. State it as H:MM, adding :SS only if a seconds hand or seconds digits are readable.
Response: 8:07
